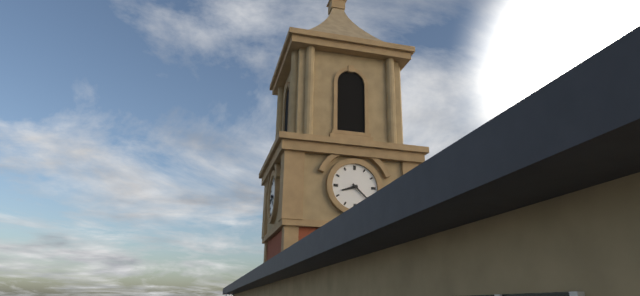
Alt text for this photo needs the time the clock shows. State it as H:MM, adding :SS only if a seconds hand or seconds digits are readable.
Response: 8:22
